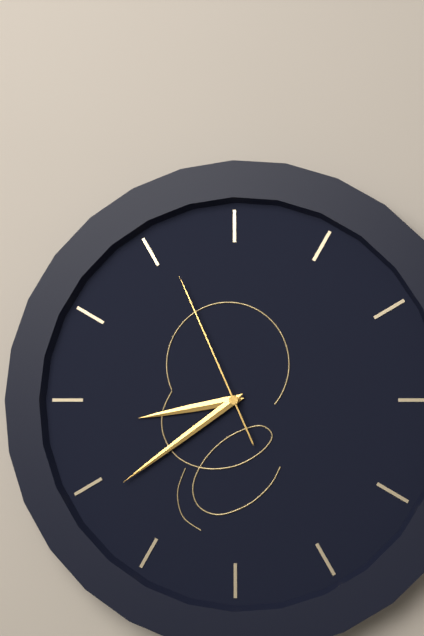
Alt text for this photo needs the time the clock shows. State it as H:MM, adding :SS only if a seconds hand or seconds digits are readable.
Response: 8:39:56
